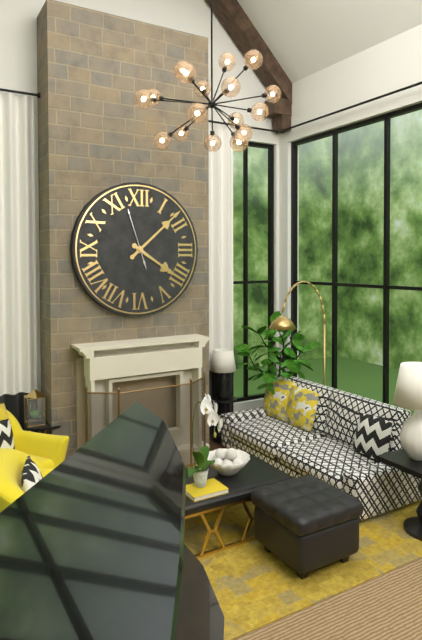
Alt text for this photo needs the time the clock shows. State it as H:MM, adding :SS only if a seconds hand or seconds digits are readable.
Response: 4:08:57
